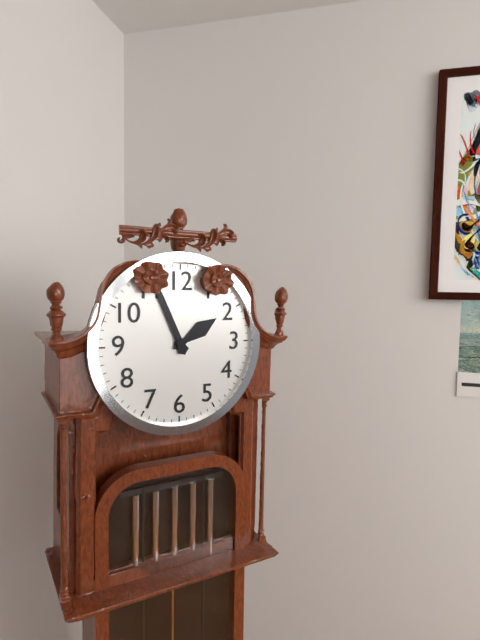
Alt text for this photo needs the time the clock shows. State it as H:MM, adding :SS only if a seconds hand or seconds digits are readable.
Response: 1:56
